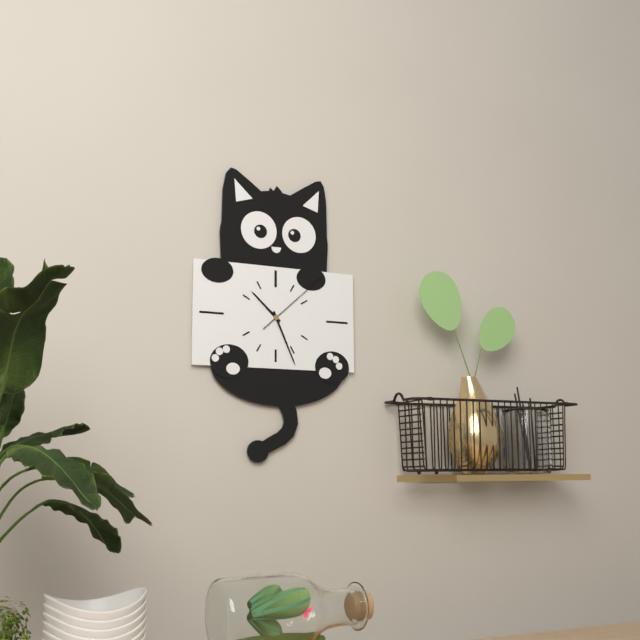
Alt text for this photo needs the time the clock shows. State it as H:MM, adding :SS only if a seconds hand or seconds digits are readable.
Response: 10:26:08
